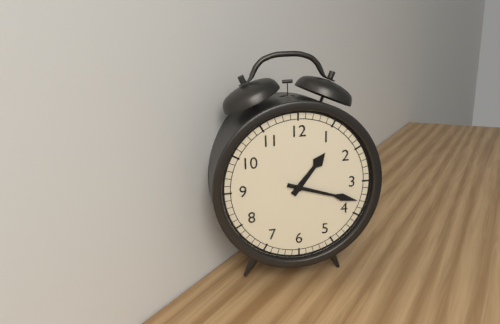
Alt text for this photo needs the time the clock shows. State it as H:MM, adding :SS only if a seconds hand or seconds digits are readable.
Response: 1:18
